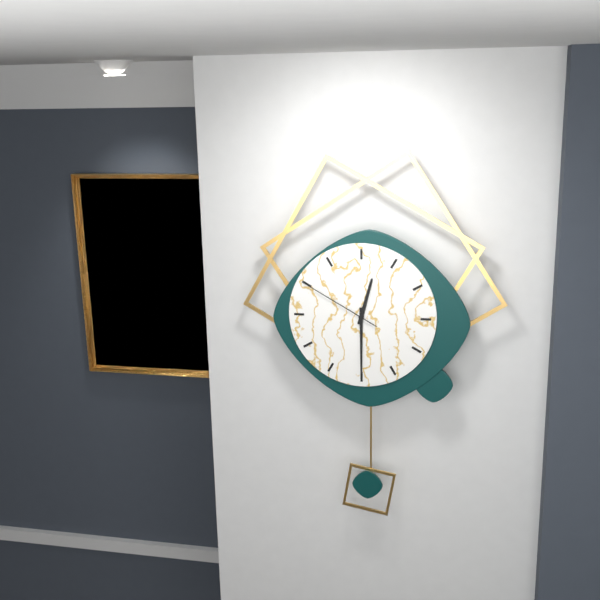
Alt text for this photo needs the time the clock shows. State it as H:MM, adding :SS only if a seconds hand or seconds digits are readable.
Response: 12:30:50
